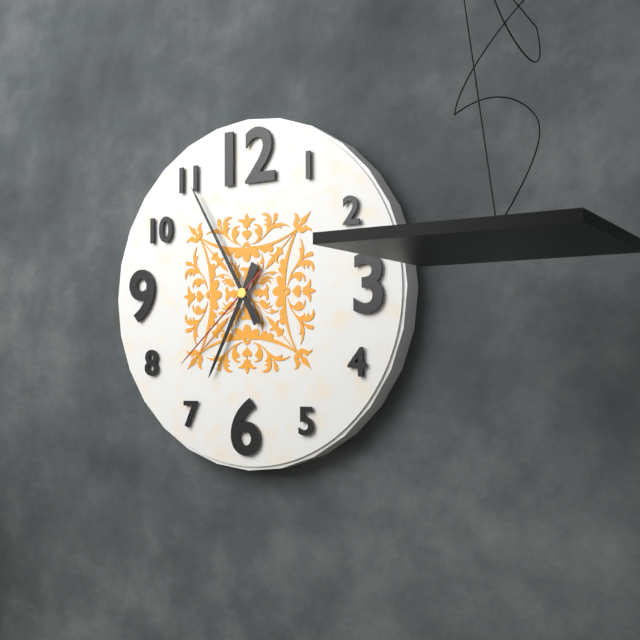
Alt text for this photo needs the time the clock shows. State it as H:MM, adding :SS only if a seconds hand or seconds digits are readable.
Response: 6:55:38
